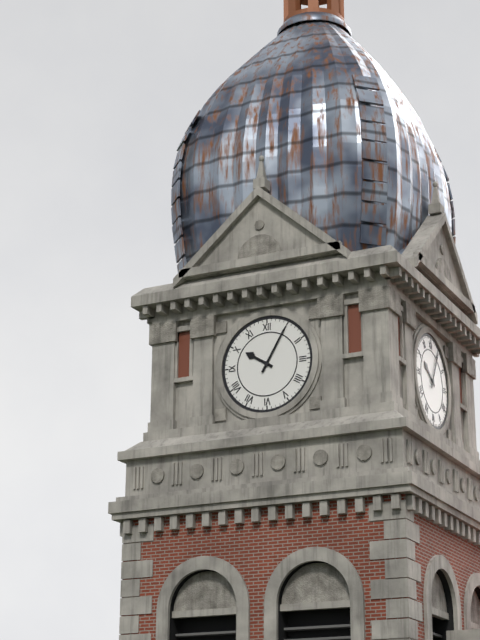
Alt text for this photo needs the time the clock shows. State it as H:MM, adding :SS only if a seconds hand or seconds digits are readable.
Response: 10:05
